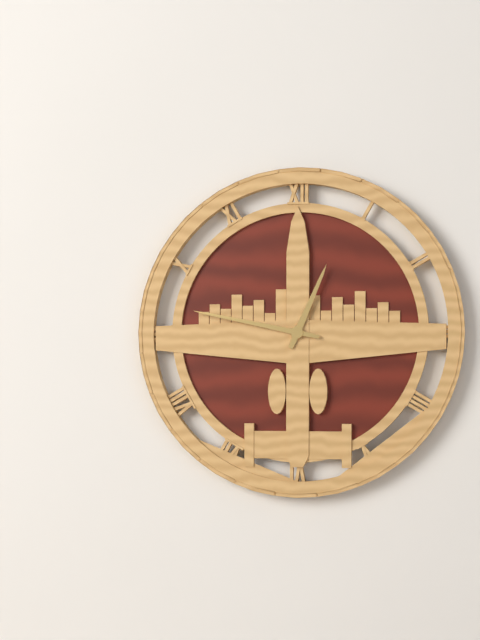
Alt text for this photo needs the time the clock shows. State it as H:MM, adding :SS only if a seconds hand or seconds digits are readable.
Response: 12:47
